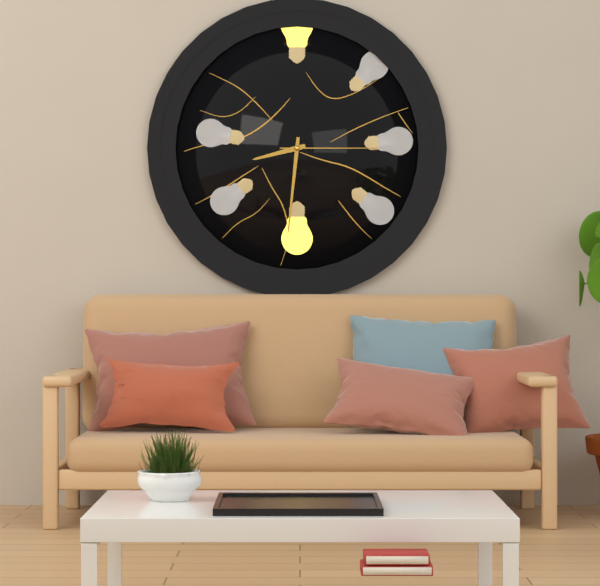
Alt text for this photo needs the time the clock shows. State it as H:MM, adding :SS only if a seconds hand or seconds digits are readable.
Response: 8:31:15
